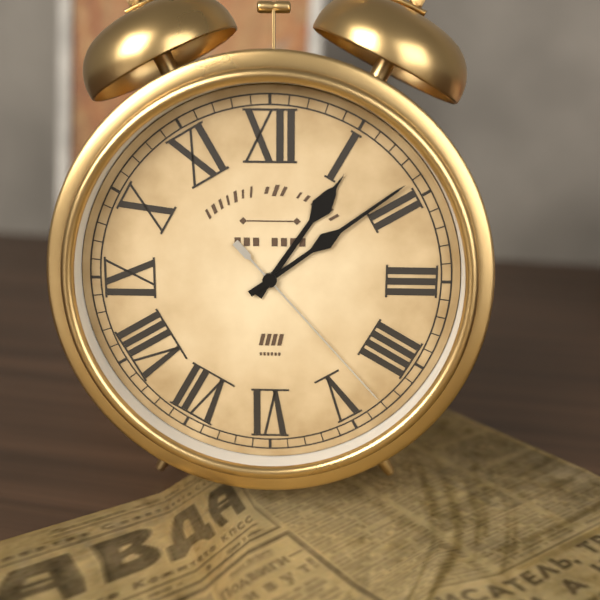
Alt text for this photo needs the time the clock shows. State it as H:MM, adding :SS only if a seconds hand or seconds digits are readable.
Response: 1:09:23
